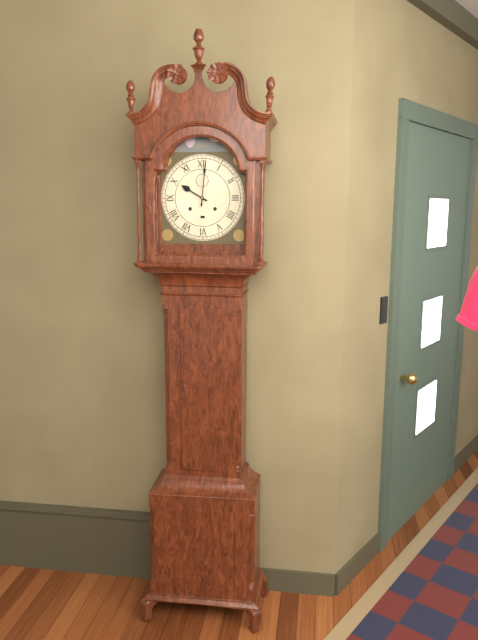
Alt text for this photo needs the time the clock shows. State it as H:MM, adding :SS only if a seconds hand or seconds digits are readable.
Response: 10:01
